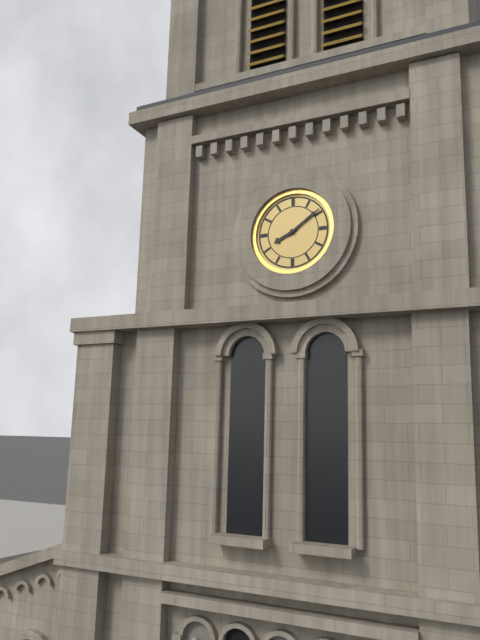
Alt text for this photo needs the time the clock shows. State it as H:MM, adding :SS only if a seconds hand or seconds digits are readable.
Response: 8:09
